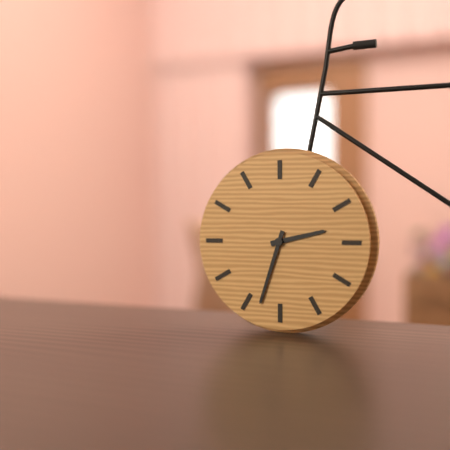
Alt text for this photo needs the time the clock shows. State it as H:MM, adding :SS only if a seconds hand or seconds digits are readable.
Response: 2:33
